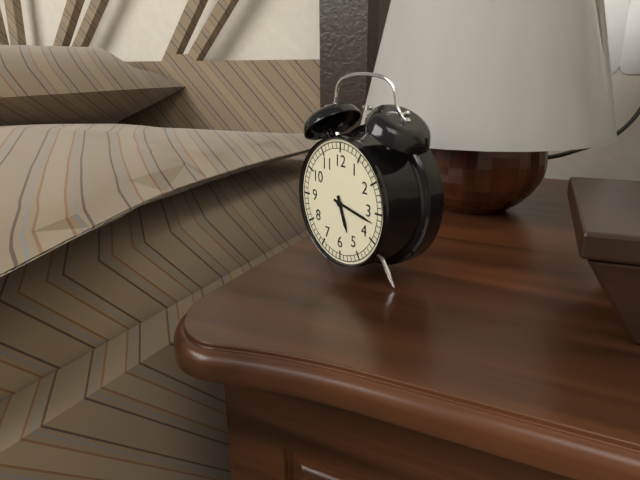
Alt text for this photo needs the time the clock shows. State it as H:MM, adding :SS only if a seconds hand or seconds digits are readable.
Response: 5:17
